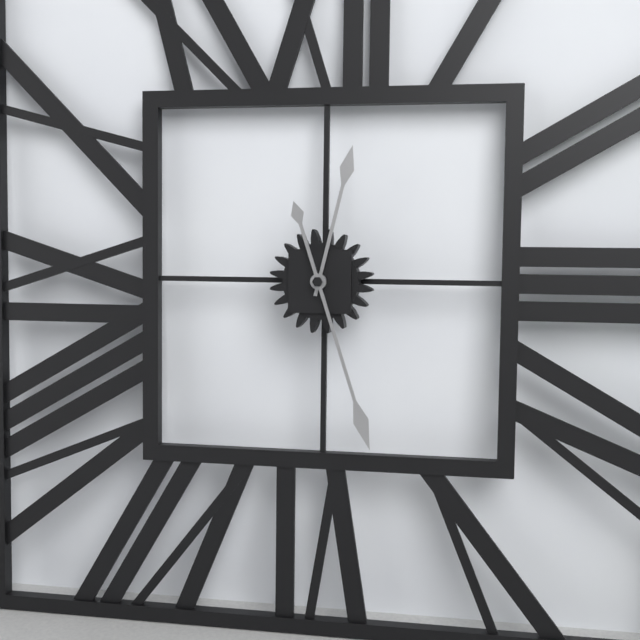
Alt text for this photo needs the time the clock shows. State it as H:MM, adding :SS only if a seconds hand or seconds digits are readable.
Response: 12:27
